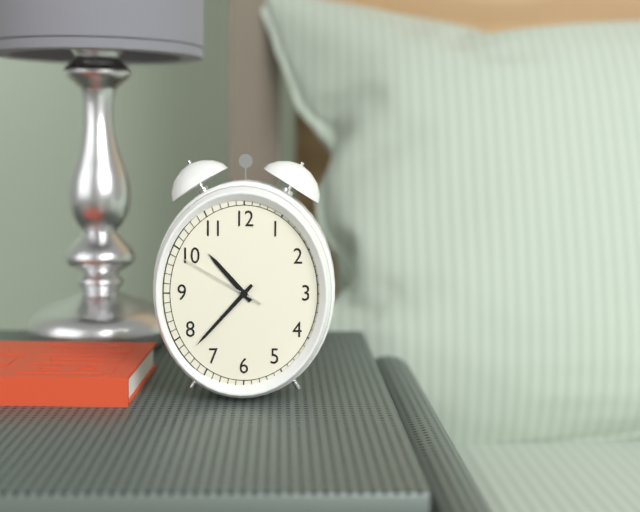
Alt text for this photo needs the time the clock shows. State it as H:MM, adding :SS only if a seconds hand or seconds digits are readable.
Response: 10:37:50
